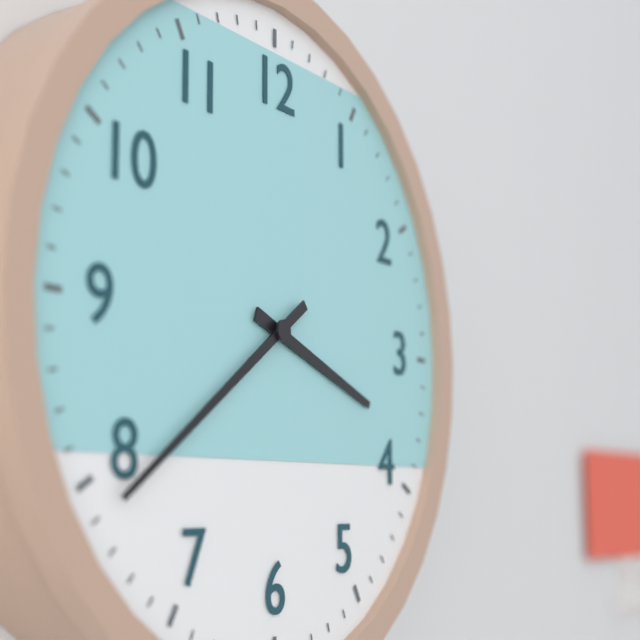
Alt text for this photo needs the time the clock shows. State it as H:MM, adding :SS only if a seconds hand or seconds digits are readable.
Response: 3:39
